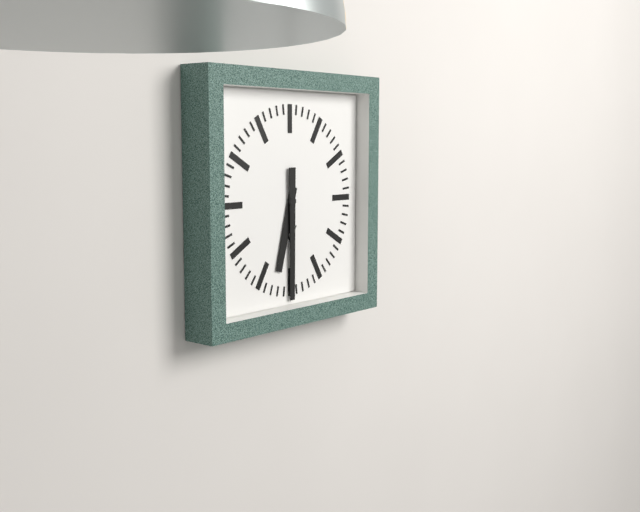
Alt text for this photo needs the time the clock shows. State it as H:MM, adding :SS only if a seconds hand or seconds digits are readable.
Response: 6:30
